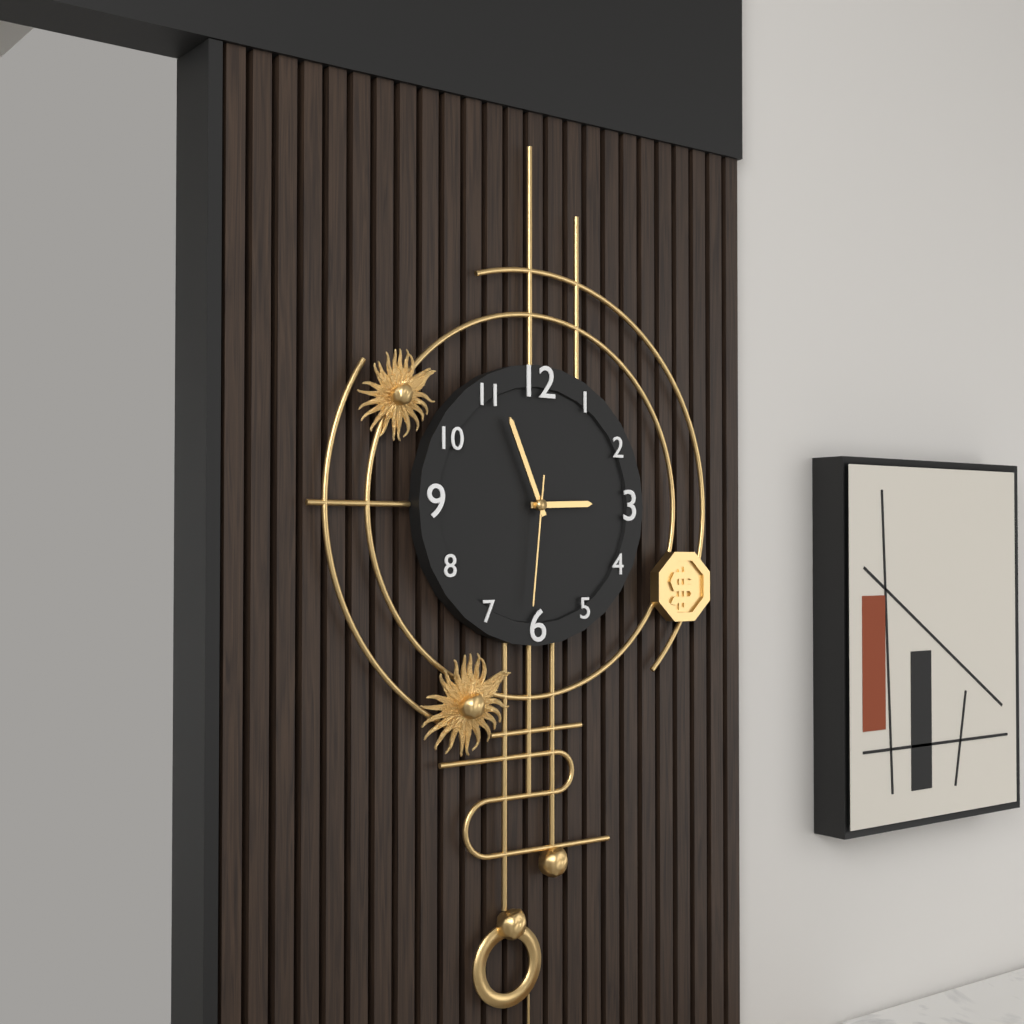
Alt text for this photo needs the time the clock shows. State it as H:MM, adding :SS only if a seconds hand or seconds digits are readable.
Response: 2:56:31
